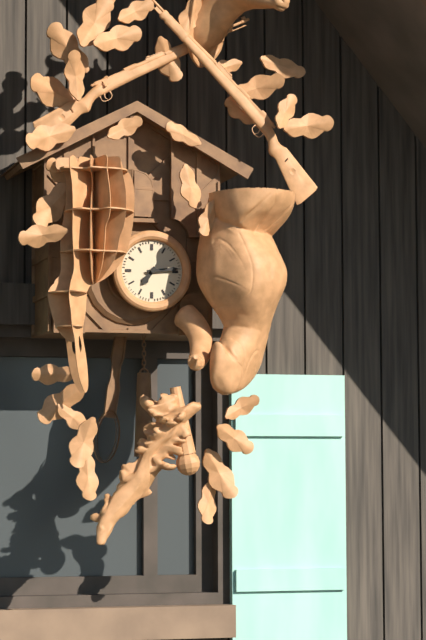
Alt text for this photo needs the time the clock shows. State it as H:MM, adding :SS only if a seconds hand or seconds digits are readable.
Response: 7:14
